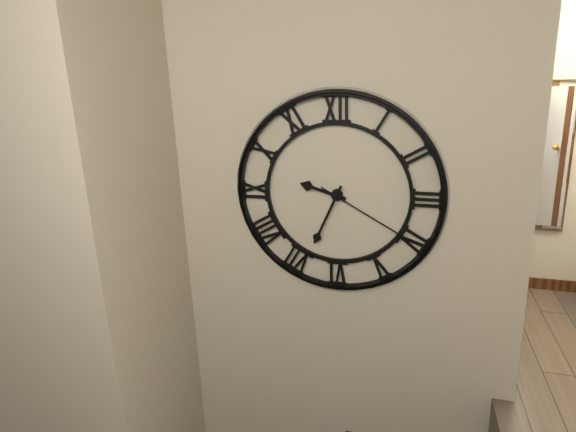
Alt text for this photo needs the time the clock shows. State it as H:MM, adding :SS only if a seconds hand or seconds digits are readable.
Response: 9:34:20
